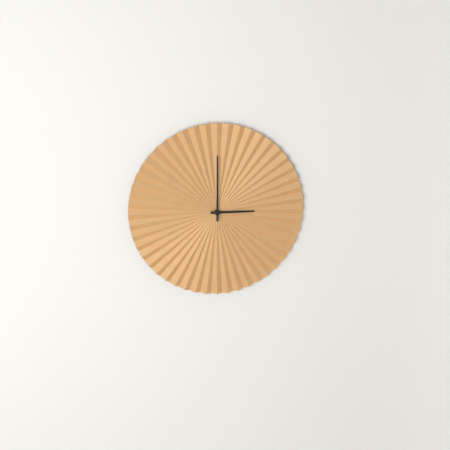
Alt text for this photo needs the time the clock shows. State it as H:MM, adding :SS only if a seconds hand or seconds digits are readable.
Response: 3:00
